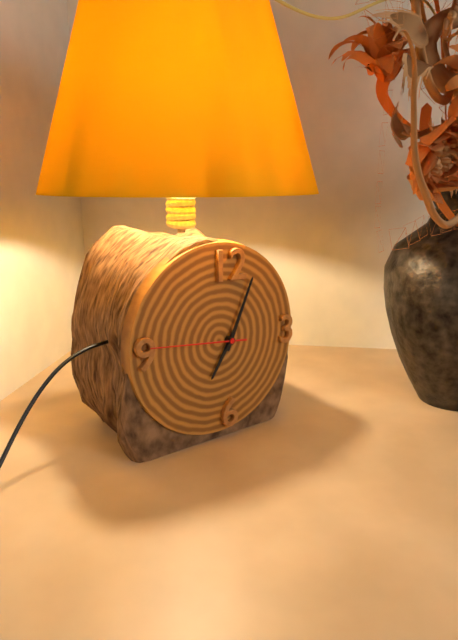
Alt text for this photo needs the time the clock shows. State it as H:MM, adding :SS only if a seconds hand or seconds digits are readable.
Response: 7:04:46
